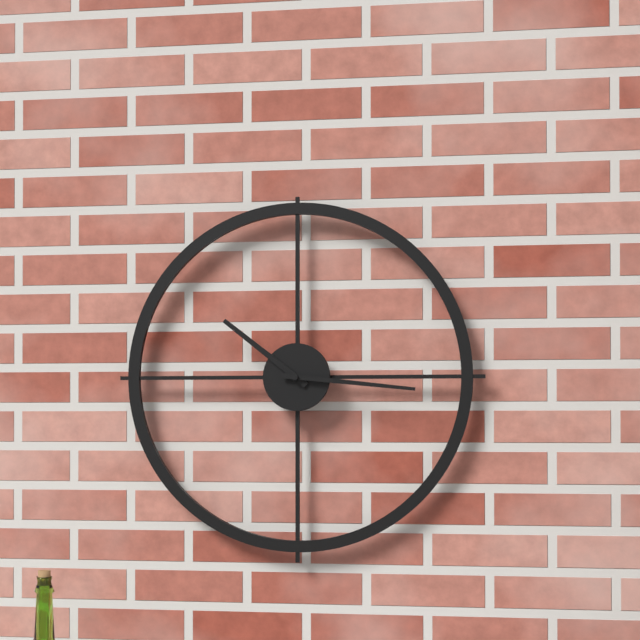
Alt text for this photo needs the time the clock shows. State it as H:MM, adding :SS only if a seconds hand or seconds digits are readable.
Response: 10:16
